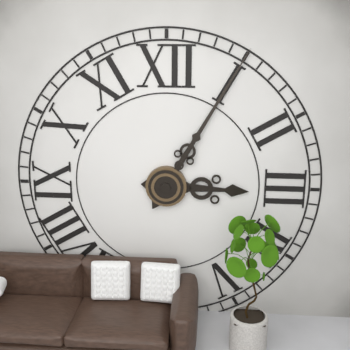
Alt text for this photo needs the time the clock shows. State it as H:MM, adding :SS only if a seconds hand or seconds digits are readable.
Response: 3:05
